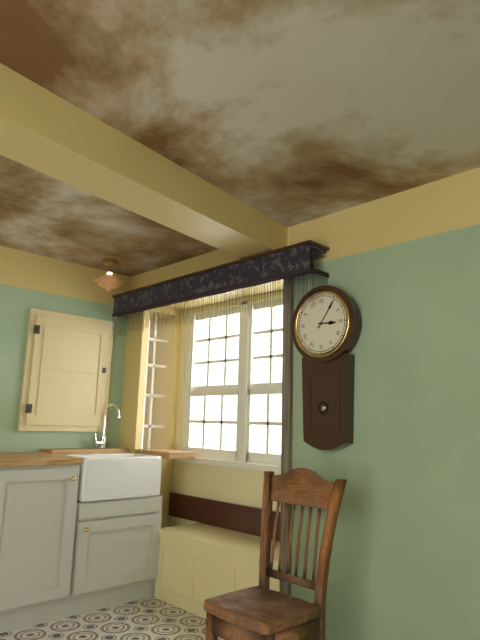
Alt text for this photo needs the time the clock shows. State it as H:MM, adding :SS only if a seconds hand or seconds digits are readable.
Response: 3:06
